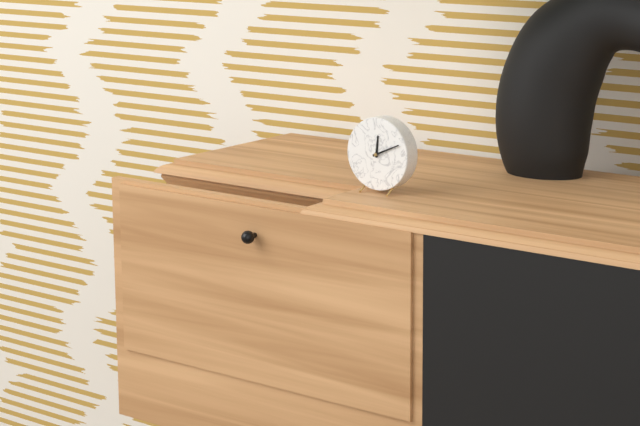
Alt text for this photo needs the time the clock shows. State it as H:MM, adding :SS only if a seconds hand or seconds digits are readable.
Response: 12:11
